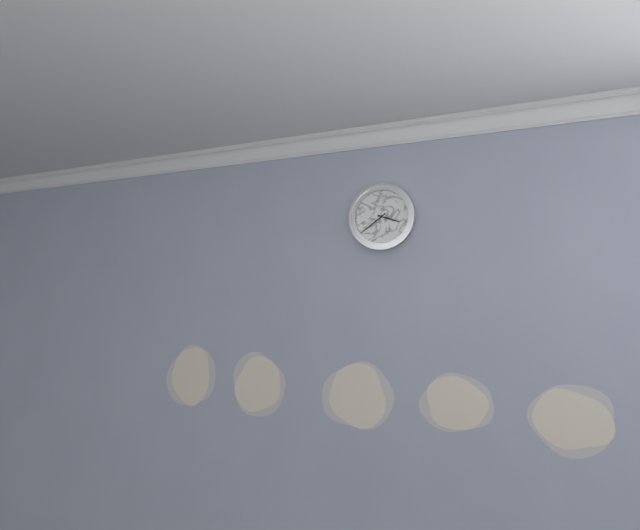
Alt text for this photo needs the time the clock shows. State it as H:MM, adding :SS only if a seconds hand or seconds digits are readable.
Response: 3:39
